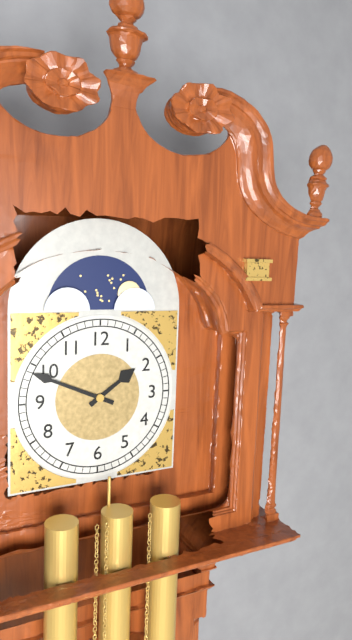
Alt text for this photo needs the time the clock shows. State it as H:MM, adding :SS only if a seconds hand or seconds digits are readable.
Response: 1:49
